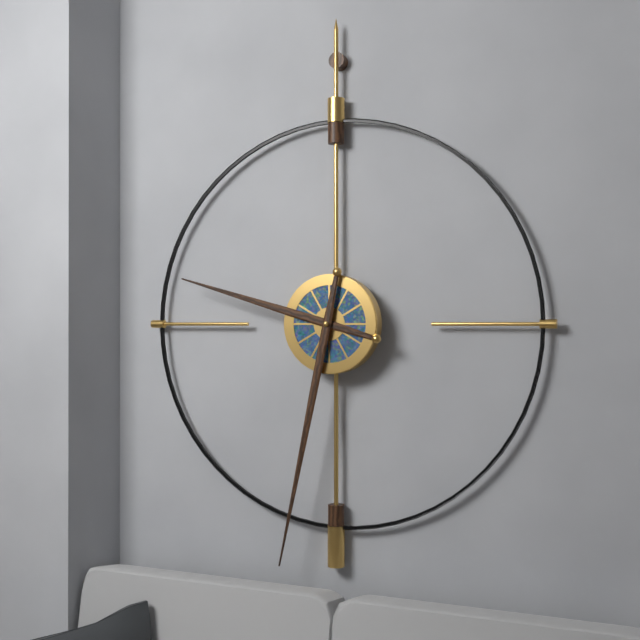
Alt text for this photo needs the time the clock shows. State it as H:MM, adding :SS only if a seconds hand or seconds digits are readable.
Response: 9:32
